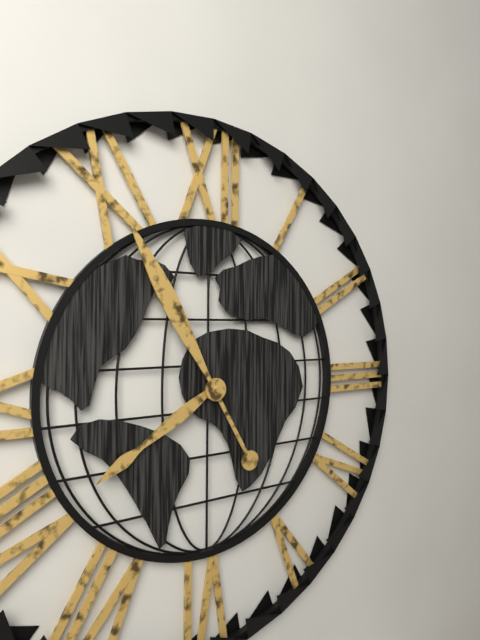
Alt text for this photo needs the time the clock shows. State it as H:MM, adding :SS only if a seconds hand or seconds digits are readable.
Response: 7:55
